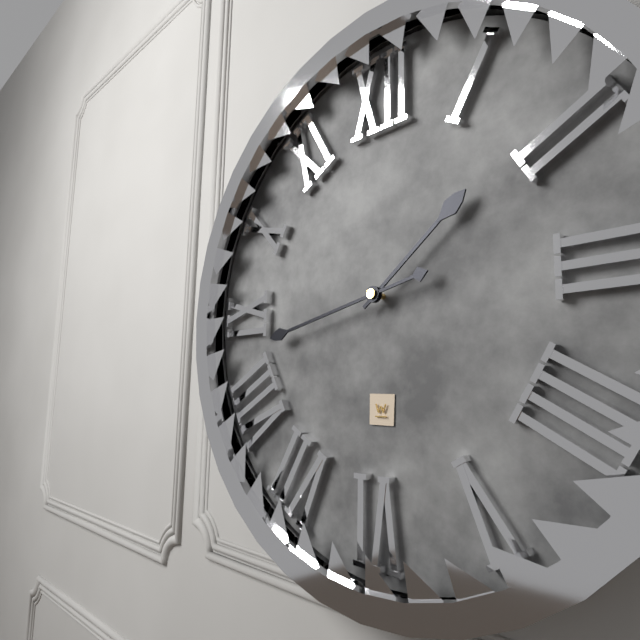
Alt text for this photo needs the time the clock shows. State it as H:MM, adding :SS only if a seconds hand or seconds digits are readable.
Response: 1:43
